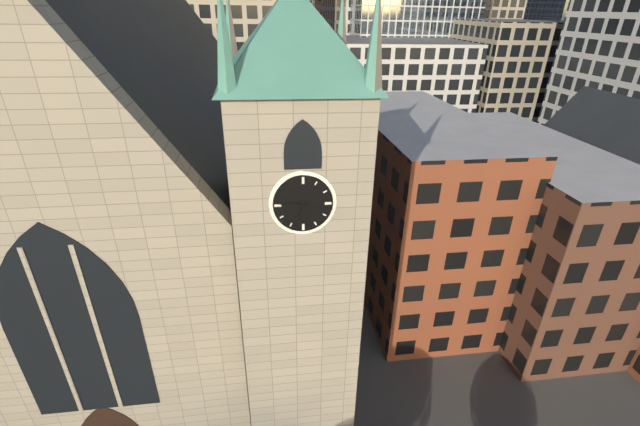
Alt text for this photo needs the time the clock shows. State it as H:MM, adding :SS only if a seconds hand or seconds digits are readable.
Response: 6:46
